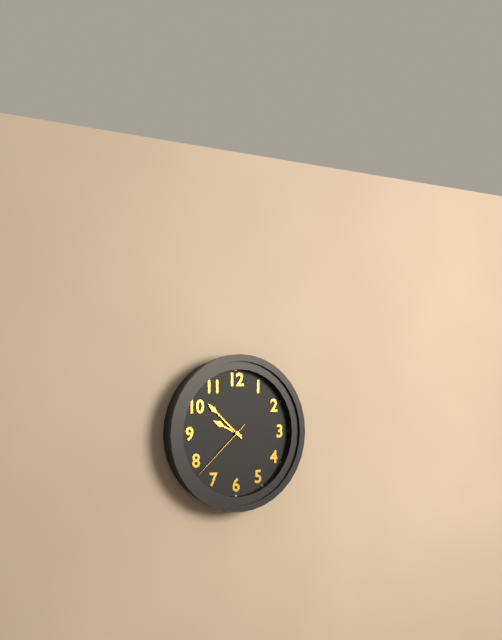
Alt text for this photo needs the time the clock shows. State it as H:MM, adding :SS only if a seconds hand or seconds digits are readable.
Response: 9:52:38
